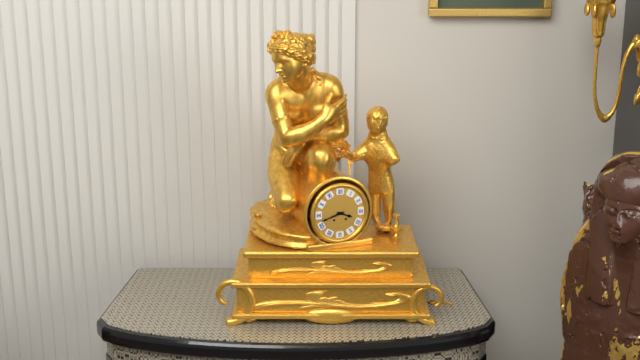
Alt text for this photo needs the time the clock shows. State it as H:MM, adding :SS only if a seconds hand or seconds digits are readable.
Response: 3:42
